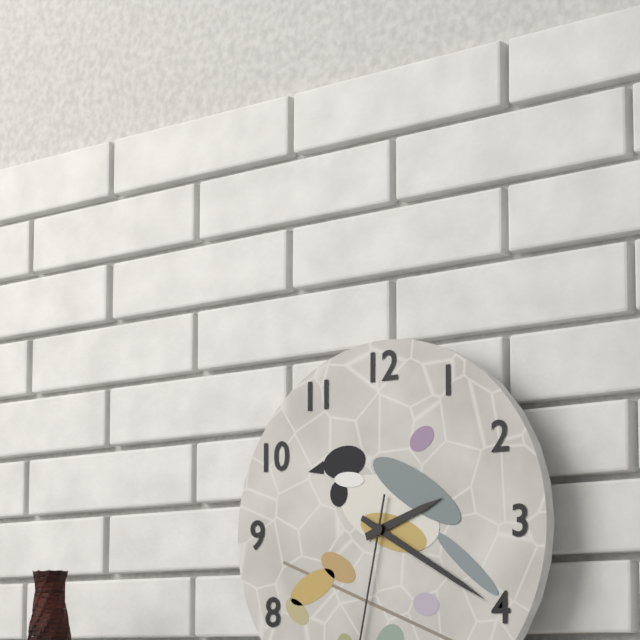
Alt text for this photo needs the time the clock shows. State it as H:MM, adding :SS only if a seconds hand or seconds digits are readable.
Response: 2:20
